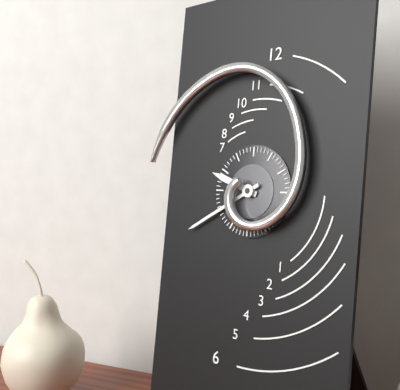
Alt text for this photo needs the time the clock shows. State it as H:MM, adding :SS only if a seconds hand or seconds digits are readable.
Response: 9:40
